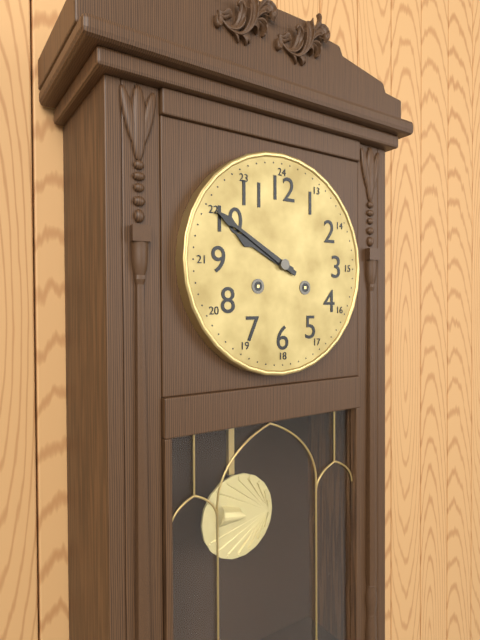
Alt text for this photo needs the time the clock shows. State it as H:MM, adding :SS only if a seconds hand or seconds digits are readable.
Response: 9:50
